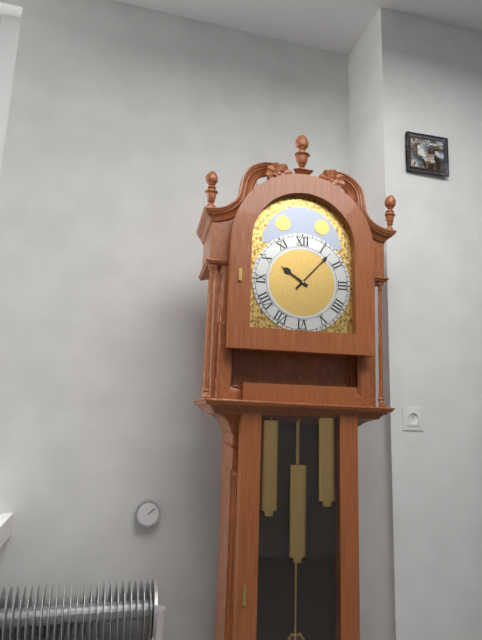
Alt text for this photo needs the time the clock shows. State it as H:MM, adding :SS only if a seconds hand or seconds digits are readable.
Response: 10:07
